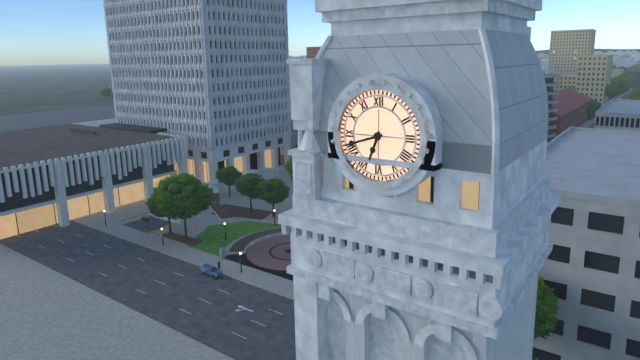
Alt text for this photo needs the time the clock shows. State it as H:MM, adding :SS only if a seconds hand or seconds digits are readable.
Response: 6:42
